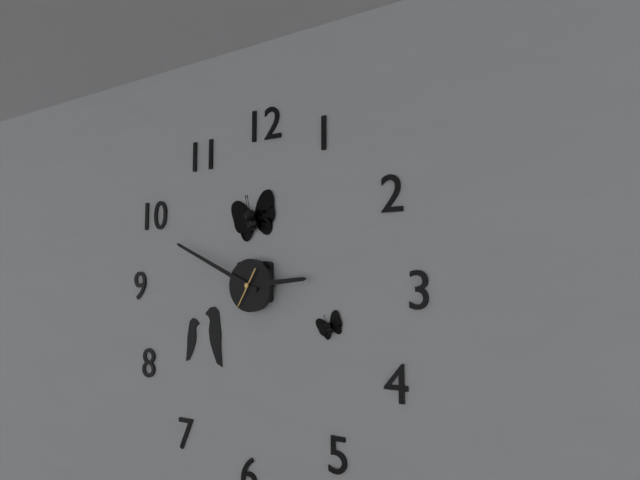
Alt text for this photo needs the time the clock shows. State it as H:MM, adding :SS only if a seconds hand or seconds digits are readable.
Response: 2:49
